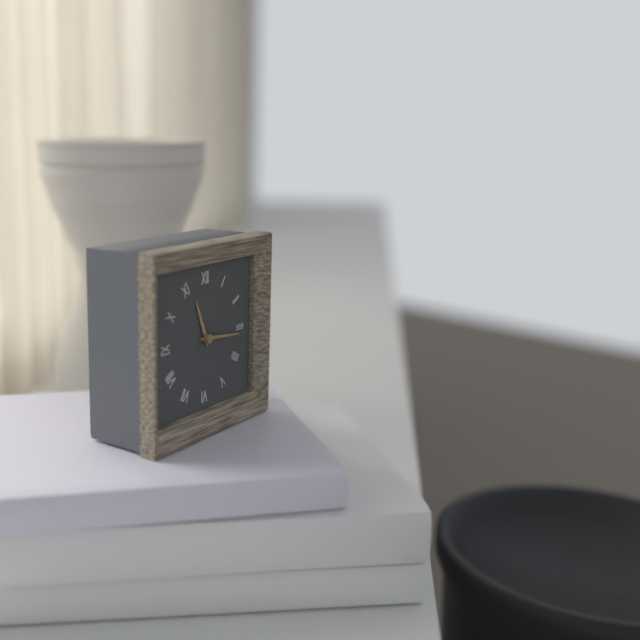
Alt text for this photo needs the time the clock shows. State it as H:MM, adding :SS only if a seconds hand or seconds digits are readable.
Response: 11:16
